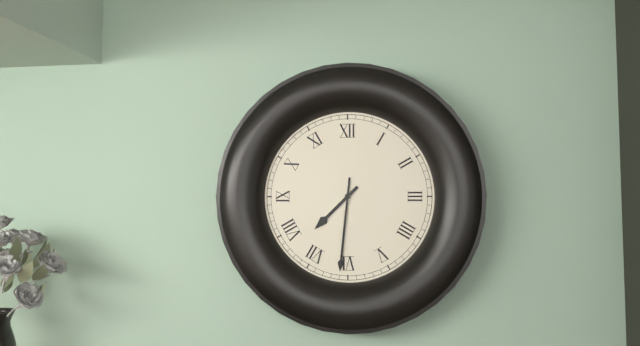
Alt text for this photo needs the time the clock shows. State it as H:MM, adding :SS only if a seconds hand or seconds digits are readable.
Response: 7:31
